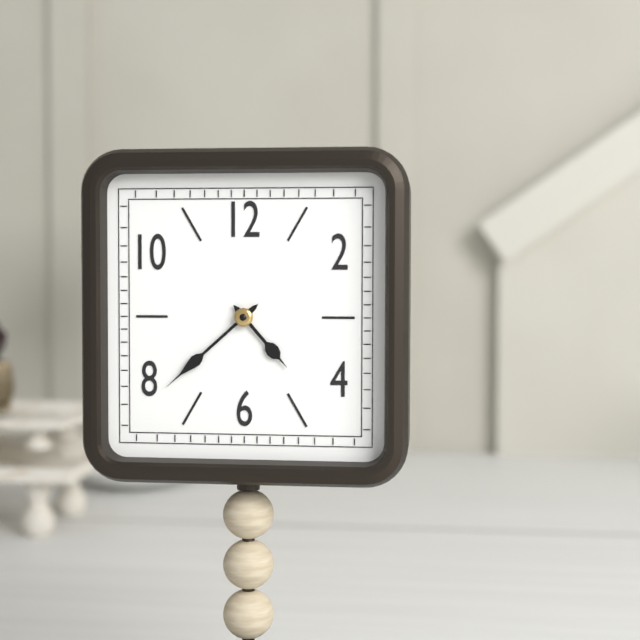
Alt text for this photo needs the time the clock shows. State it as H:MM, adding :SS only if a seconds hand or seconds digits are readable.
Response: 4:38
